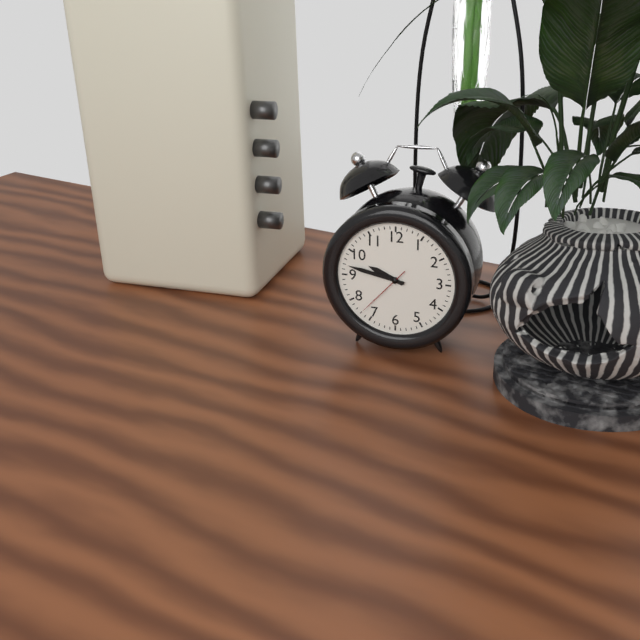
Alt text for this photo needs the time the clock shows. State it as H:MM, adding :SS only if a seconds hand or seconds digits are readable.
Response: 9:47:37
